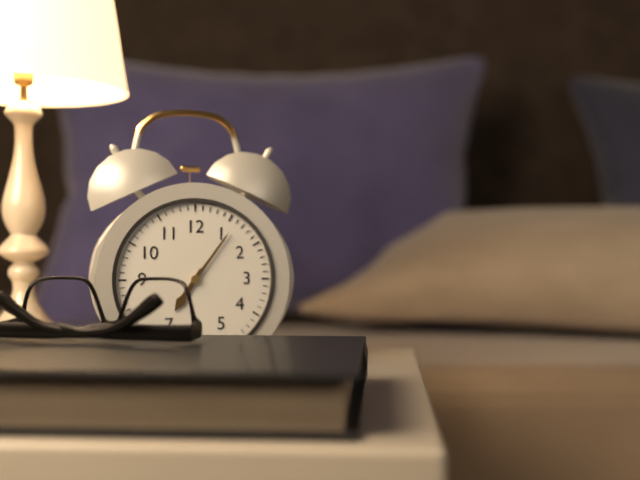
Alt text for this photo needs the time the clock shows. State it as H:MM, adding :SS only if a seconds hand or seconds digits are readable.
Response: 7:06
